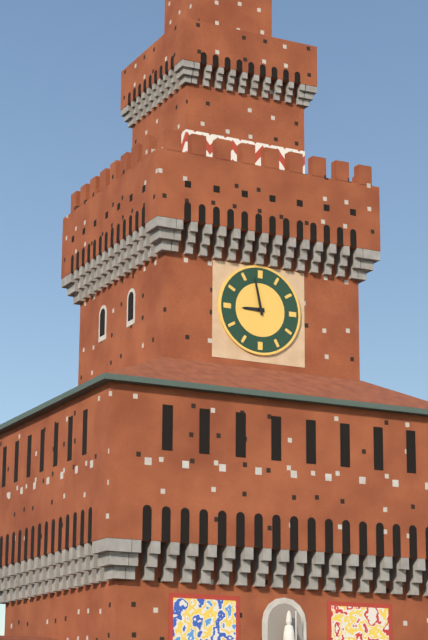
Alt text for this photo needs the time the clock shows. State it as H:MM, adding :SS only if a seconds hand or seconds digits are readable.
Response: 8:58
